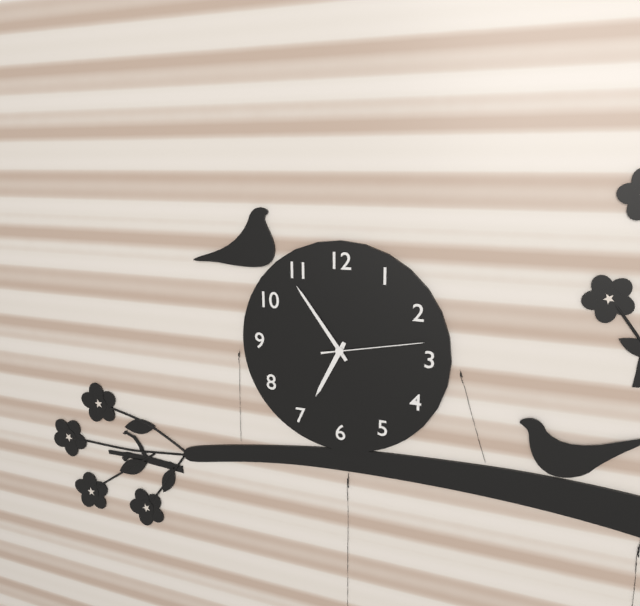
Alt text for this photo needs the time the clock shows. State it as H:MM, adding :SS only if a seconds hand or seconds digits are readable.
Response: 6:54:13
